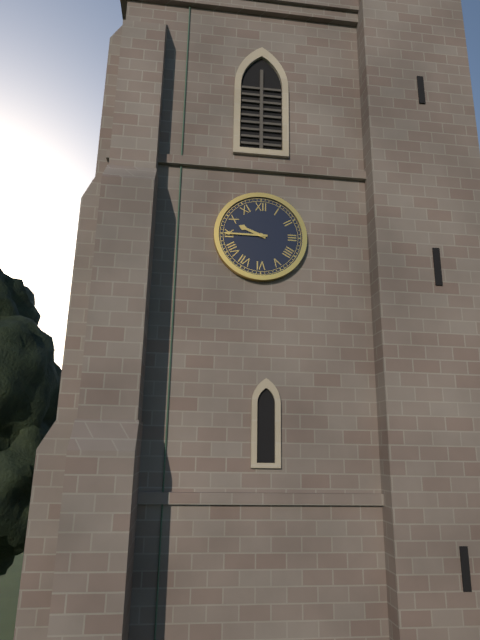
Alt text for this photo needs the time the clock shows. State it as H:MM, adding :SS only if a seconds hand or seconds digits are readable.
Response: 9:45
